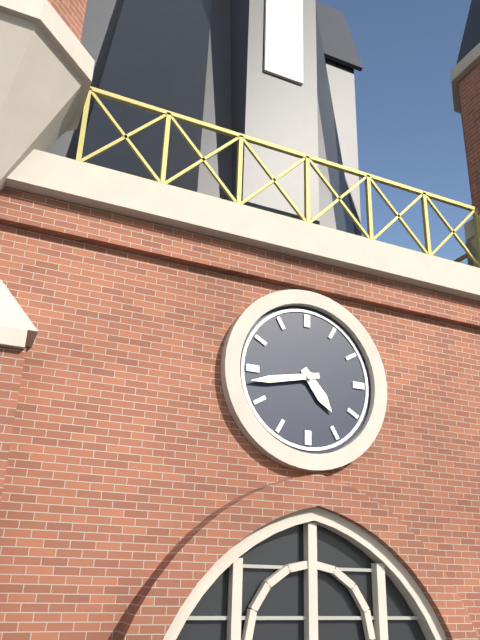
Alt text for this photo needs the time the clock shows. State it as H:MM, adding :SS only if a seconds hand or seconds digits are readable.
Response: 4:43
